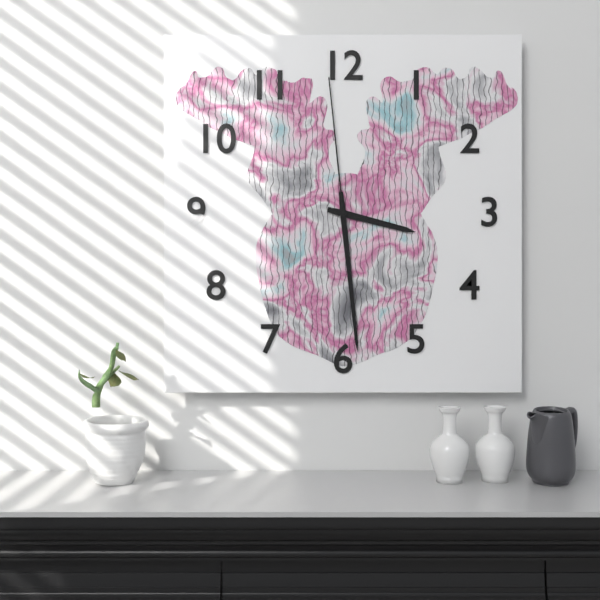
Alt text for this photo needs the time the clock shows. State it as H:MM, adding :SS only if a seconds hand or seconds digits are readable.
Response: 3:29:59
